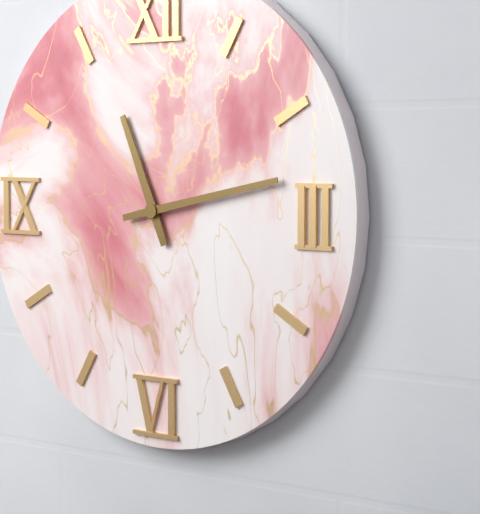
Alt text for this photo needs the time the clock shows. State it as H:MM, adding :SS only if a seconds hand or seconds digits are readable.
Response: 11:13
